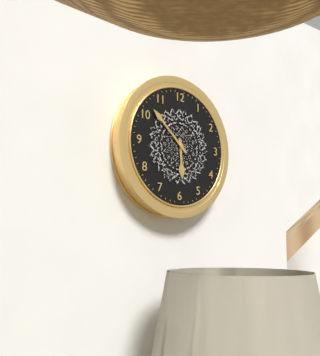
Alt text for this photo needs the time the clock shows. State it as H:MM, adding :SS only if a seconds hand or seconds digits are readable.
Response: 5:52
